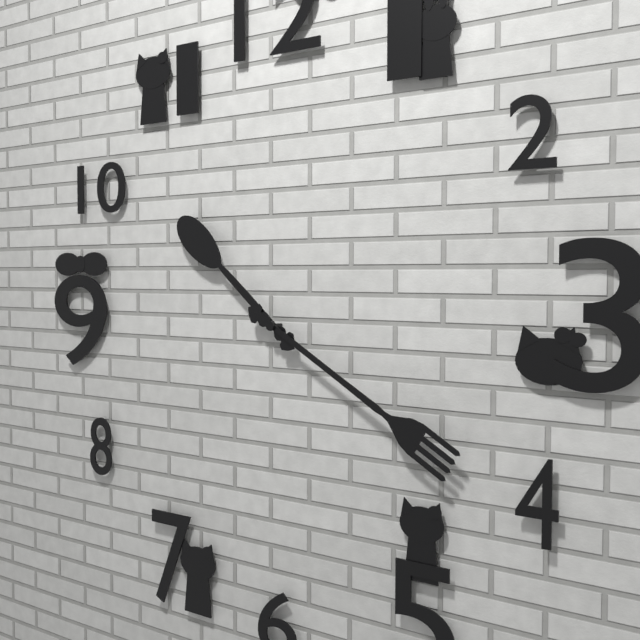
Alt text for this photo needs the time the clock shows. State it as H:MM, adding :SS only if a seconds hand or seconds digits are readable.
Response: 10:20
